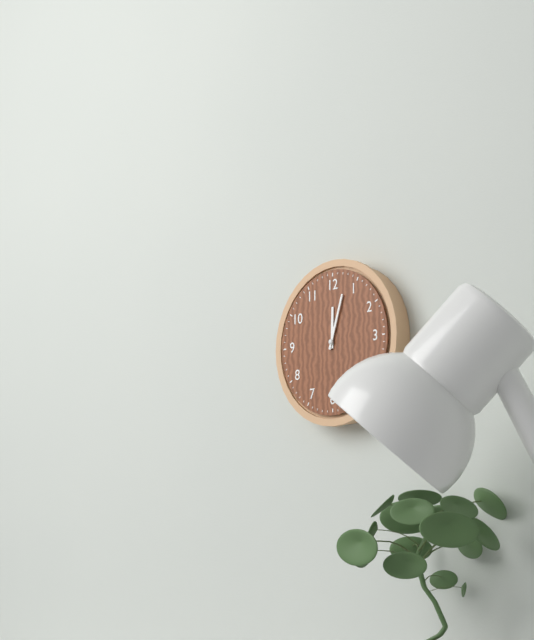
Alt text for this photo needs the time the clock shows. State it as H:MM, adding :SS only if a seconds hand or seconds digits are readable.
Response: 12:03
